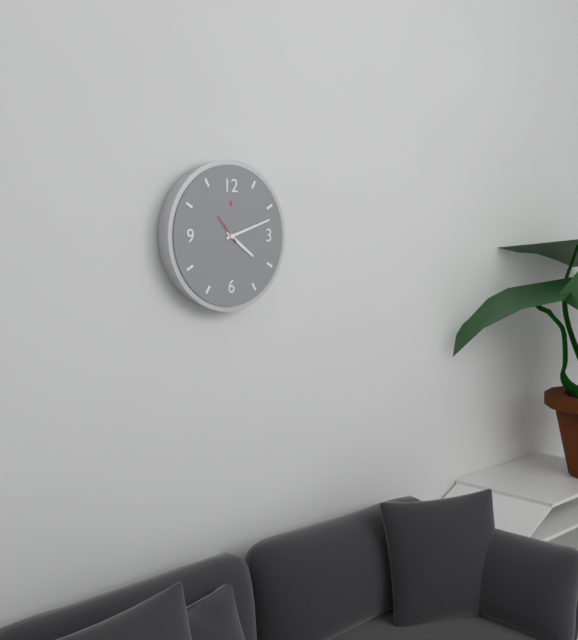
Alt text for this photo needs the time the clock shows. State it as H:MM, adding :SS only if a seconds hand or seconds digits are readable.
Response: 4:12
